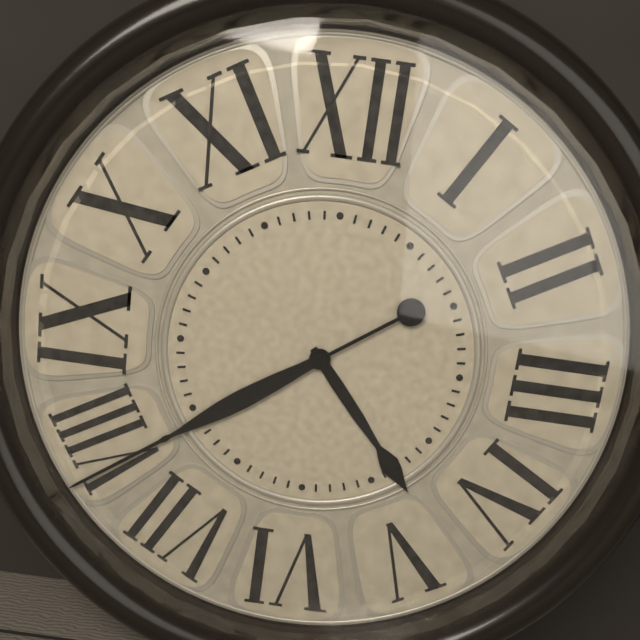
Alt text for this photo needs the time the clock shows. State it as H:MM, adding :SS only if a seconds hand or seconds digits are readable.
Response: 4:39
